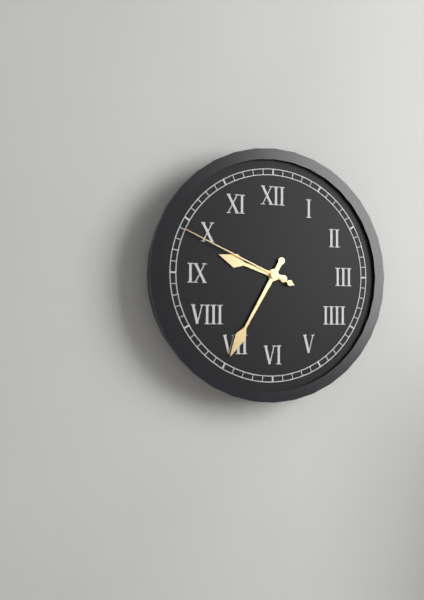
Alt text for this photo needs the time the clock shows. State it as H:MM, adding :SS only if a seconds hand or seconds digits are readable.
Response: 9:35:49
